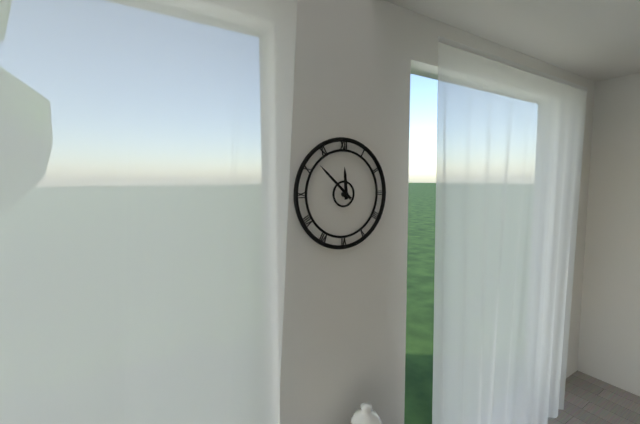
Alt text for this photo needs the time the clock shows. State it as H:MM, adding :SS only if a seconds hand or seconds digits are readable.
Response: 11:52
